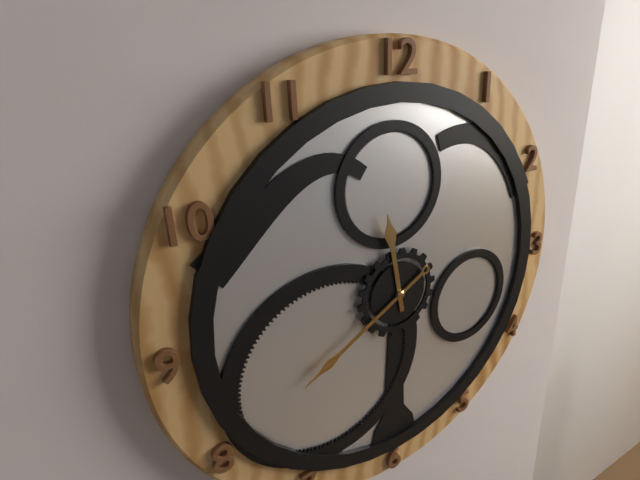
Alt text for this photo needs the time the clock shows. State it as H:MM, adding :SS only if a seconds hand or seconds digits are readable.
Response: 11:40
